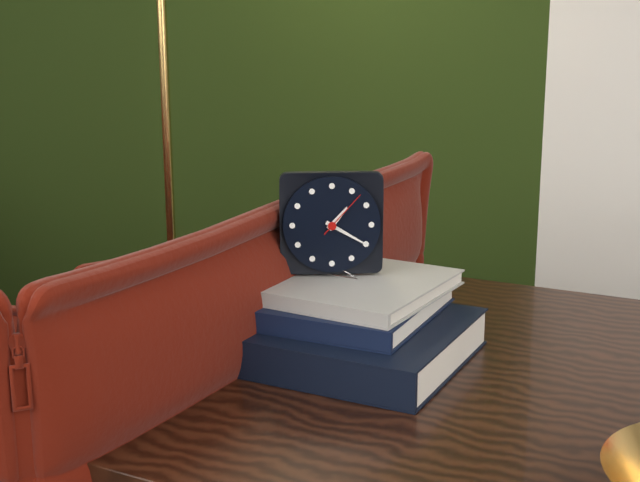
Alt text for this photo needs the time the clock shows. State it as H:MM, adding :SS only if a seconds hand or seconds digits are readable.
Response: 1:20:07
